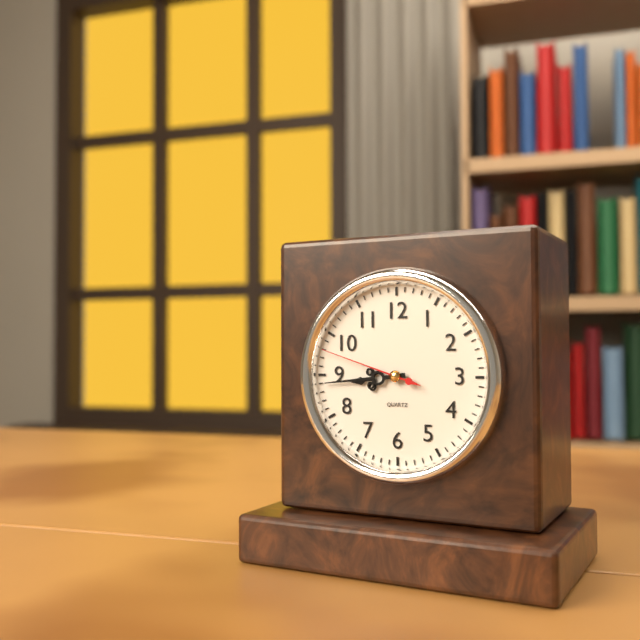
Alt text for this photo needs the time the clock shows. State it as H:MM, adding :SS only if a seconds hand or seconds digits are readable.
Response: 8:44:48
